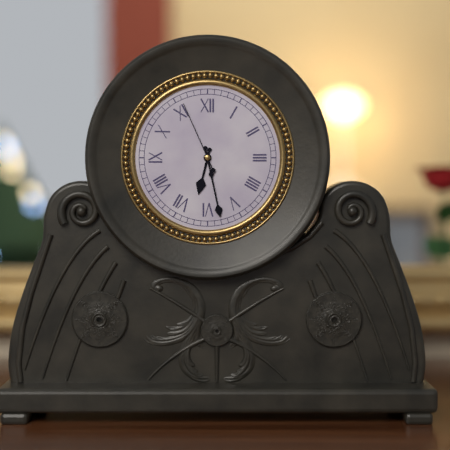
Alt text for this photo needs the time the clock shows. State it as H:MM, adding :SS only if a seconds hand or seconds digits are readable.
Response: 6:28:56
